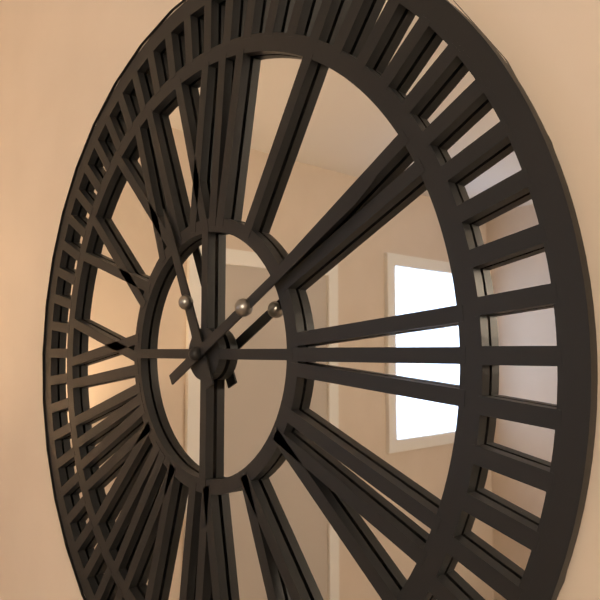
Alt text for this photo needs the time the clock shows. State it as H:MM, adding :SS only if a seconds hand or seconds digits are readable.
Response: 11:10
